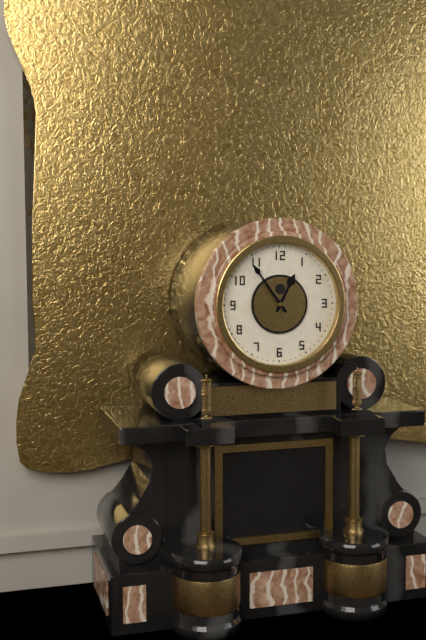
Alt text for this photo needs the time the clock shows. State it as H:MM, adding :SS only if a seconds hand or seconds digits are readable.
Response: 12:54
